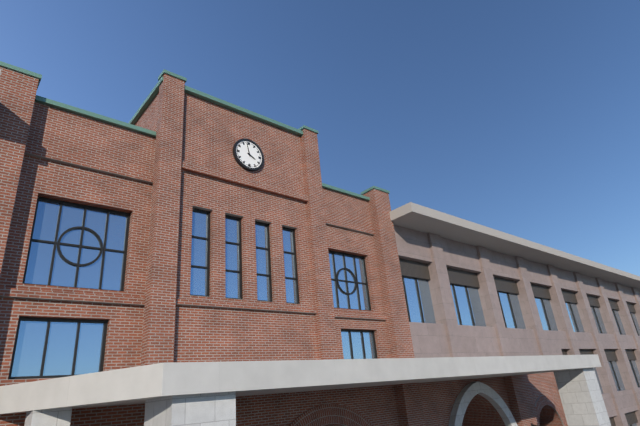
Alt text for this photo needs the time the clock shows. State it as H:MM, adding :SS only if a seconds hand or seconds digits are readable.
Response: 3:58
